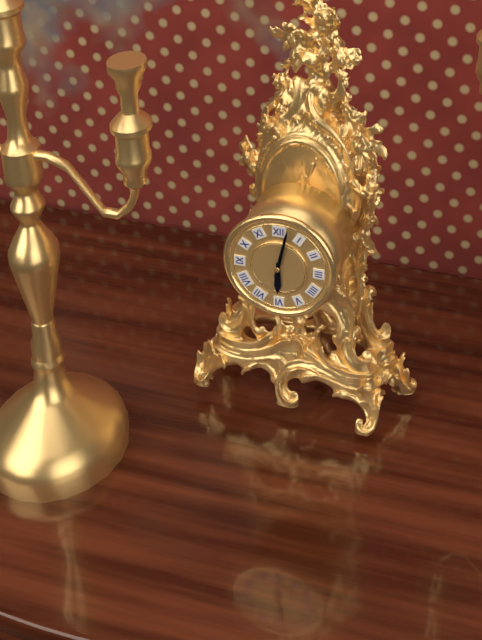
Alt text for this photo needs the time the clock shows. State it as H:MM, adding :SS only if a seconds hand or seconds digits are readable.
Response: 6:02
